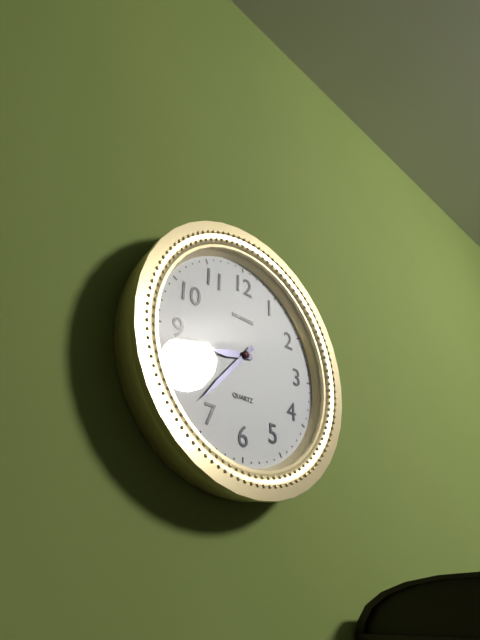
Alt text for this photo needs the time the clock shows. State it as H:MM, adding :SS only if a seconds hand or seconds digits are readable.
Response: 8:37
